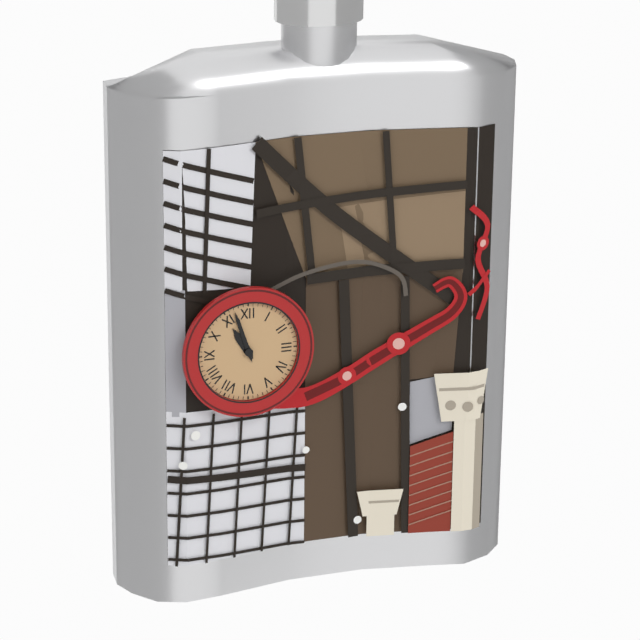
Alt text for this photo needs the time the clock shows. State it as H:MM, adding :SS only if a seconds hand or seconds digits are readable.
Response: 10:57
